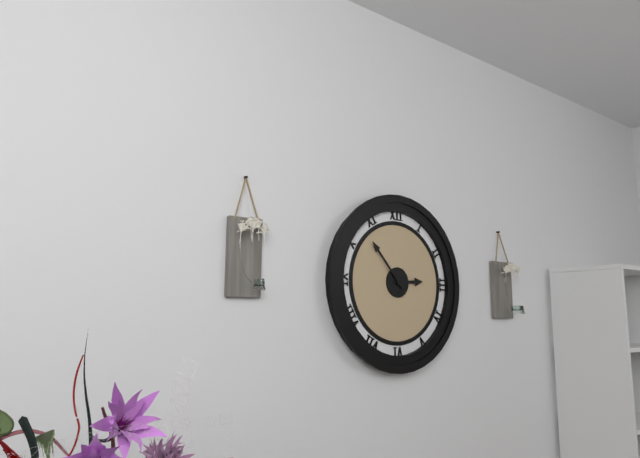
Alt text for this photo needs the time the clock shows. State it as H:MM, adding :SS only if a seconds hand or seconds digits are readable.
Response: 2:53
